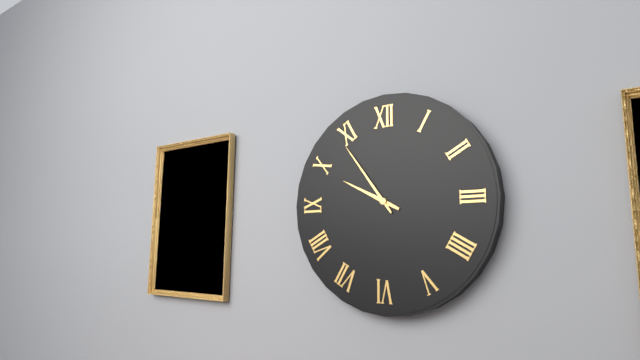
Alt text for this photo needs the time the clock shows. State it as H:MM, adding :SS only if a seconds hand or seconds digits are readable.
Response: 9:54
